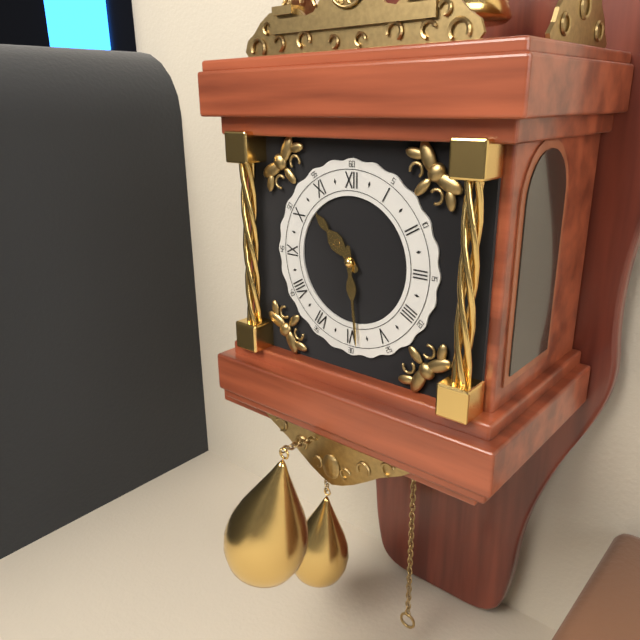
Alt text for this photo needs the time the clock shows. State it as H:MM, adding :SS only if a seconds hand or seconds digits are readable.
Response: 10:29
